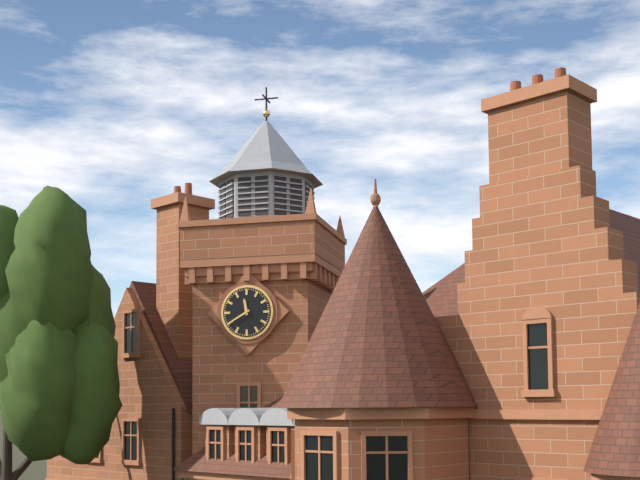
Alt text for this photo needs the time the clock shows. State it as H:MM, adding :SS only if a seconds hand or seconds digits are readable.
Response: 11:40
